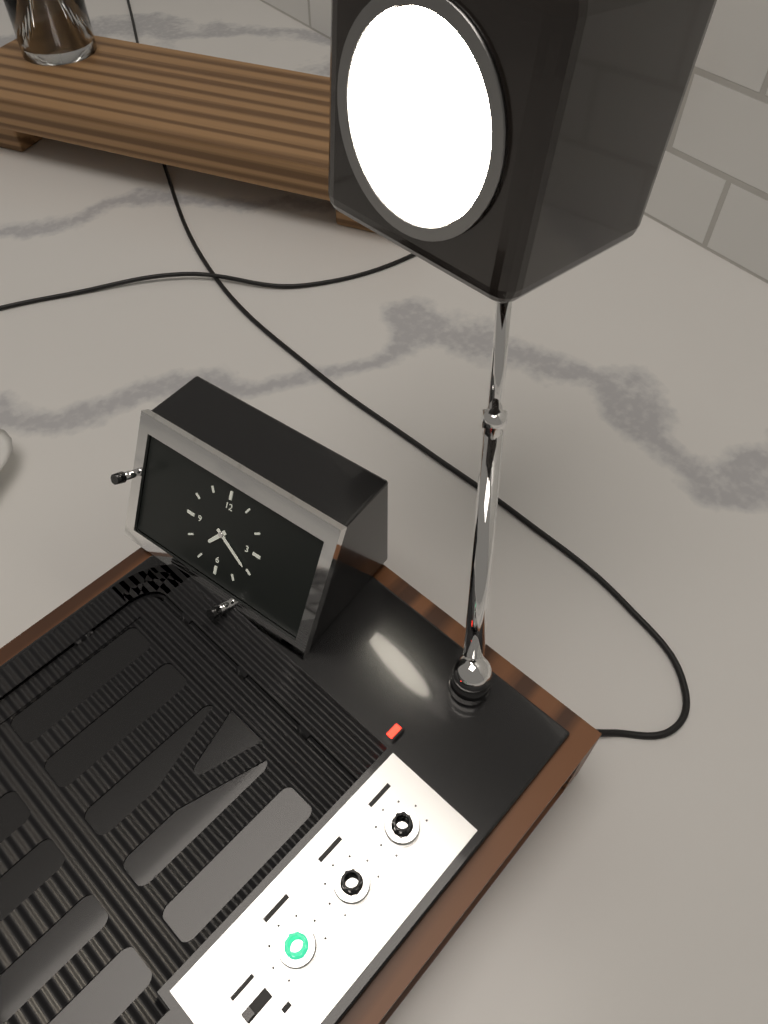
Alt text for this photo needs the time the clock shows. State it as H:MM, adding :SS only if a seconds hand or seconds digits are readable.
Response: 7:20
